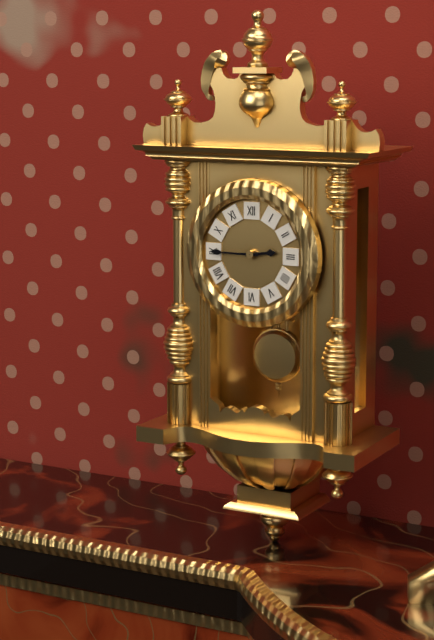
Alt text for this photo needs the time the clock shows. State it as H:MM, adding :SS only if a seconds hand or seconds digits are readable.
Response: 2:45
